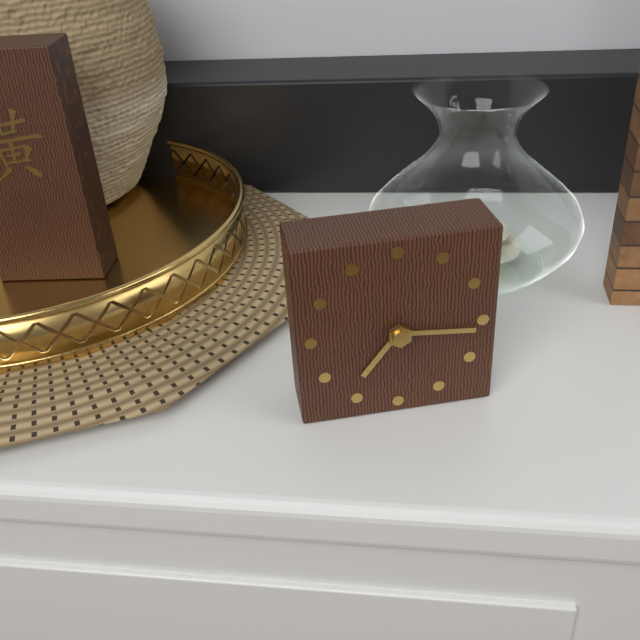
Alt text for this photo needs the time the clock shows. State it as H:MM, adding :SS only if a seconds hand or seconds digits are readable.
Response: 7:16
